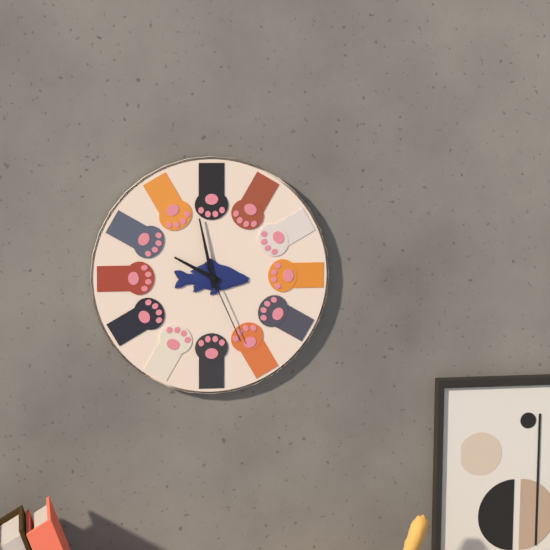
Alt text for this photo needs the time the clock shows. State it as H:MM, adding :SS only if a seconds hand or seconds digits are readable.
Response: 9:58:26
